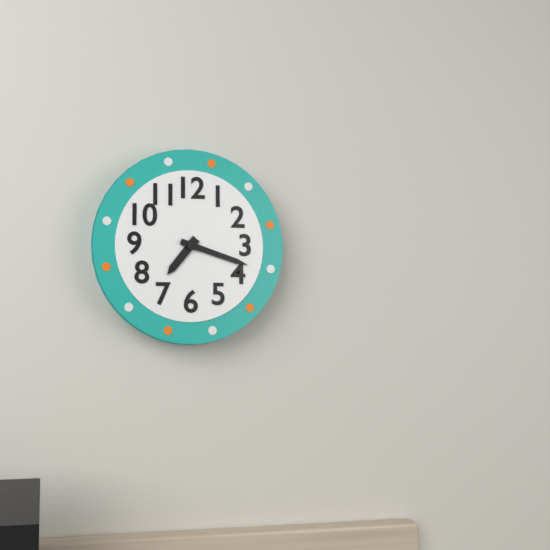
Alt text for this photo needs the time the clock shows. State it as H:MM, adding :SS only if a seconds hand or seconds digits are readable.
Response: 7:18
